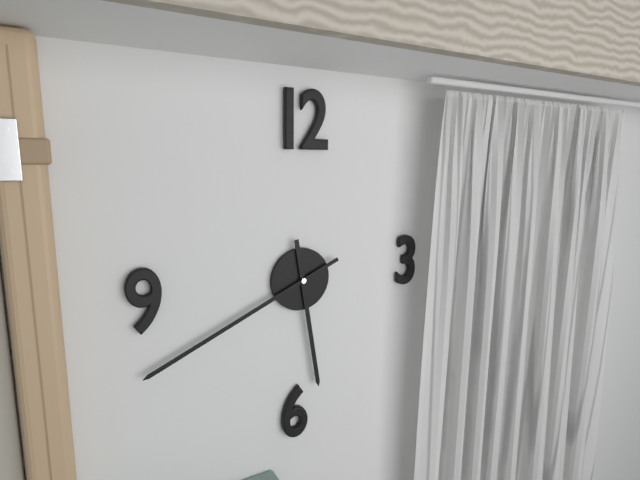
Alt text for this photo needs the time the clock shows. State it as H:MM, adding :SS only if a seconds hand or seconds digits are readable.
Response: 5:41
